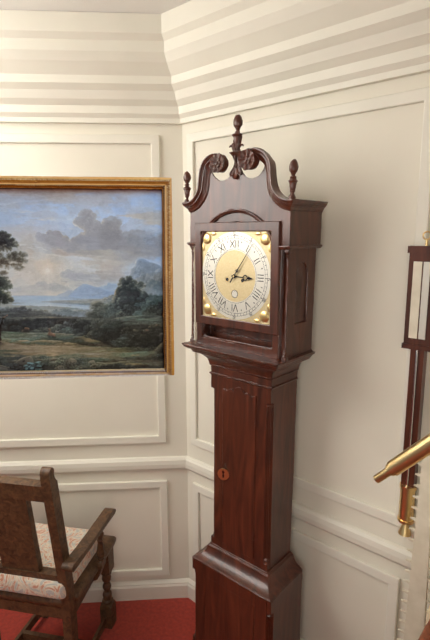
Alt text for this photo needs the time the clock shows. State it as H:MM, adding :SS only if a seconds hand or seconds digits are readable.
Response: 3:06
